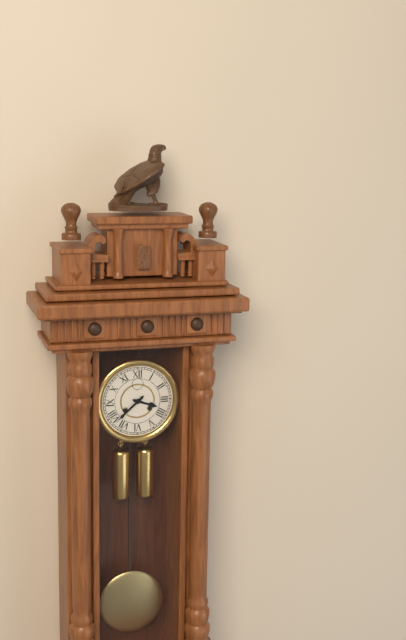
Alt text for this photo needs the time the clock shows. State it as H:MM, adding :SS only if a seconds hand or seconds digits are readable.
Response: 3:38
